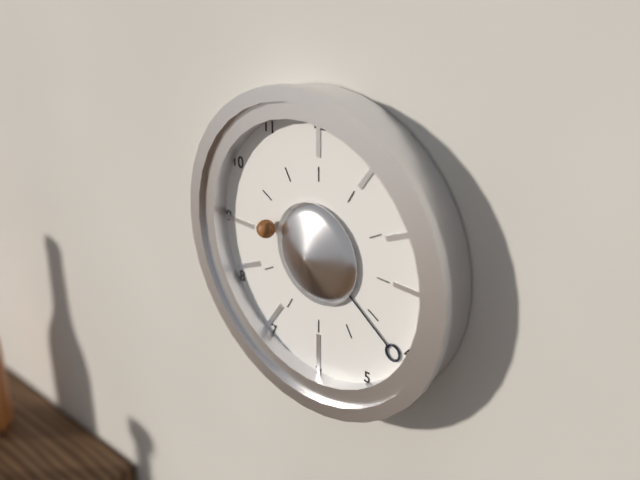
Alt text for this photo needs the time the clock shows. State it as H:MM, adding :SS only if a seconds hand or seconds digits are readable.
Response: 9:21
